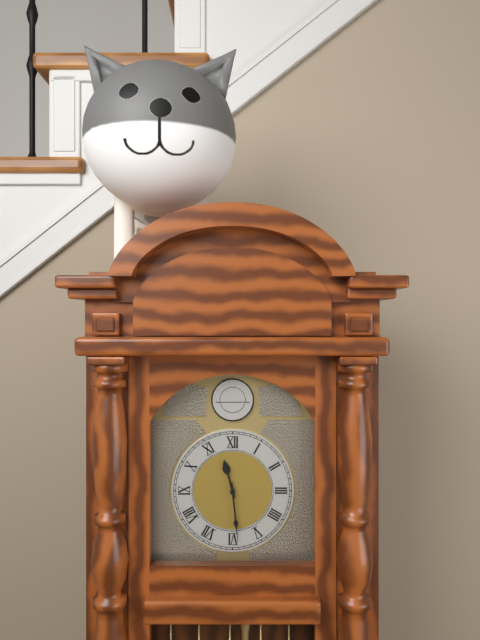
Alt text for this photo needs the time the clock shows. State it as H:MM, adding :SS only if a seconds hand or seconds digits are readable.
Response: 11:29
